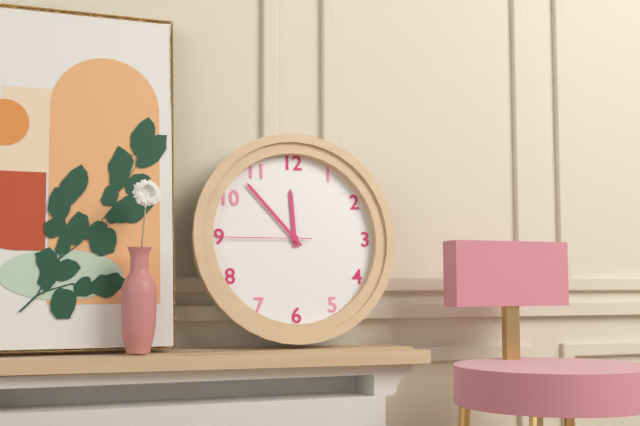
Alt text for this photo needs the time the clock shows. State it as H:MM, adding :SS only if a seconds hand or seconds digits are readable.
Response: 11:53:45
